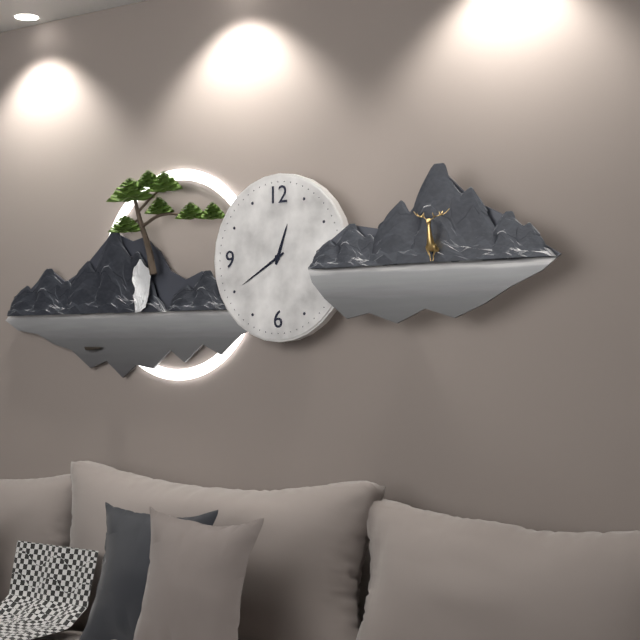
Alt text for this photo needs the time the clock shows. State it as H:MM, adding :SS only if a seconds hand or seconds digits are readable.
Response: 12:40
